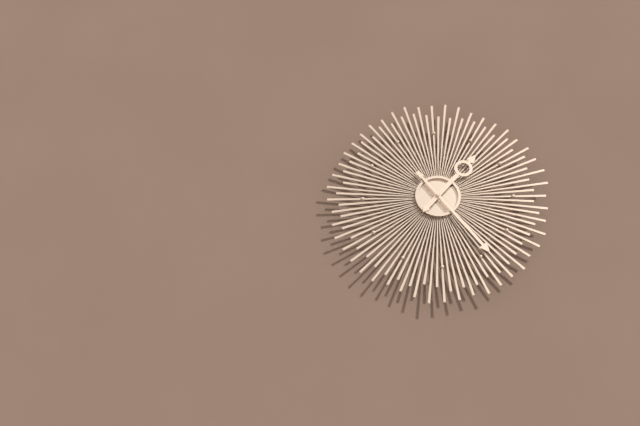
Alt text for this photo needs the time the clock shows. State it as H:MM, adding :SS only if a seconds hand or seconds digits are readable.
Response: 1:24
